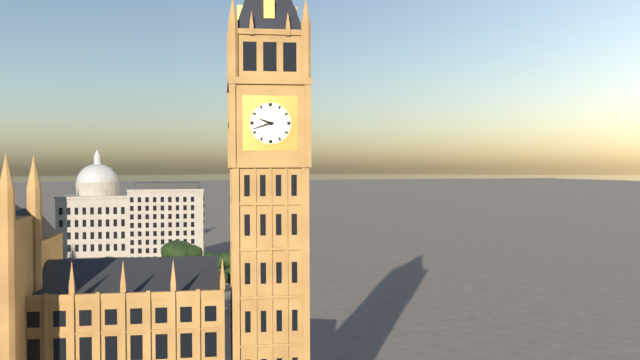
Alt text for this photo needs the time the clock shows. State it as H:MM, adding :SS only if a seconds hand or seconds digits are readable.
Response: 9:42
